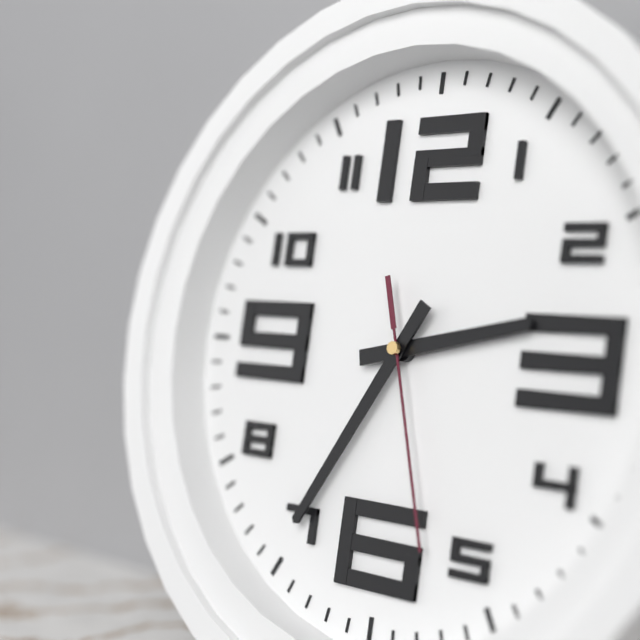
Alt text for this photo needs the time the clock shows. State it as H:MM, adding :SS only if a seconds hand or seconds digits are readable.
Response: 2:35:27
